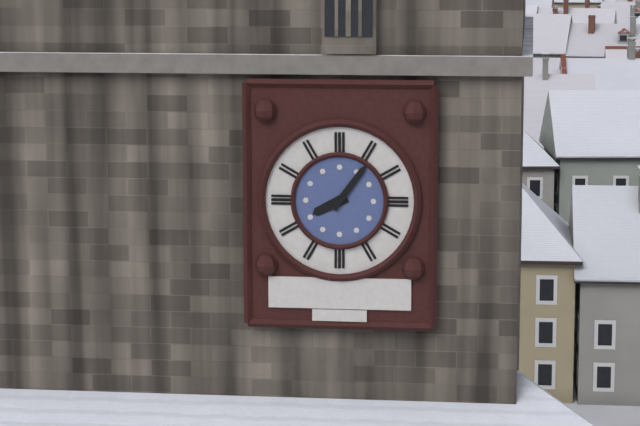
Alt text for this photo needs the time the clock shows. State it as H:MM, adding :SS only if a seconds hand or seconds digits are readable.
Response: 8:06
